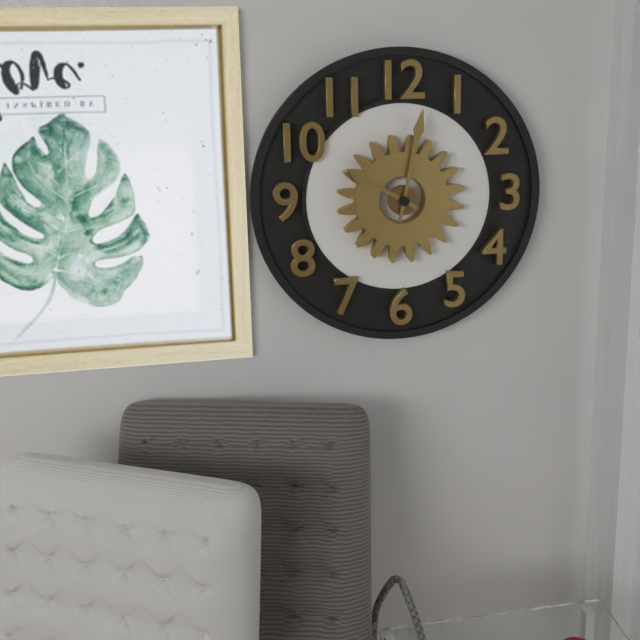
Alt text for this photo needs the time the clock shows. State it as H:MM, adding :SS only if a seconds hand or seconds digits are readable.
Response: 10:02
